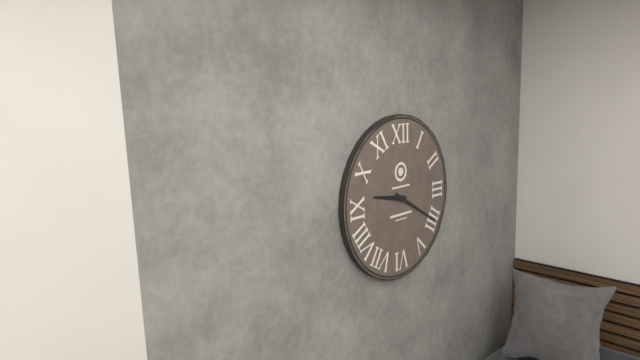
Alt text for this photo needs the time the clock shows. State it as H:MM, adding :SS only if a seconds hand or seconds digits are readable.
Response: 9:20
